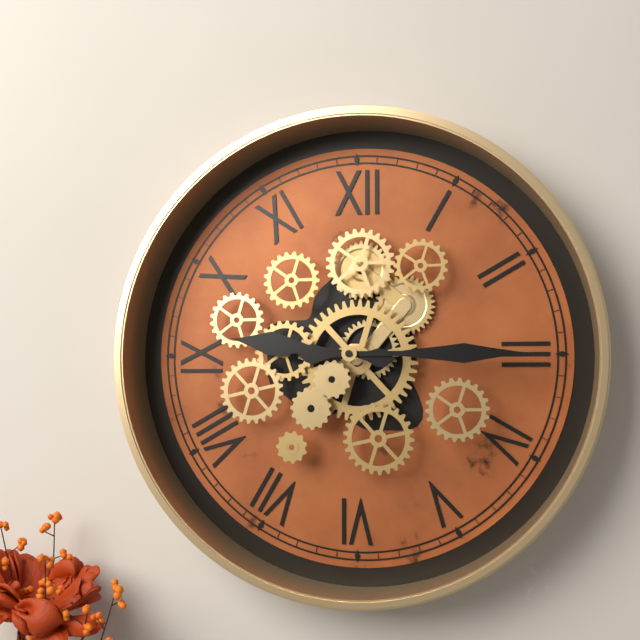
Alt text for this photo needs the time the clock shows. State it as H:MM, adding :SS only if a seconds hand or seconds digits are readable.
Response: 9:15
